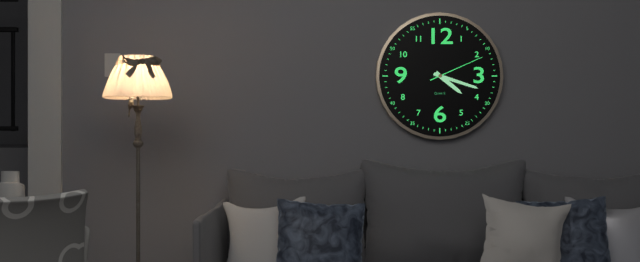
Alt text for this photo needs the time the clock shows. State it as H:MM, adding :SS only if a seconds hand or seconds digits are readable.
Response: 4:18:11
